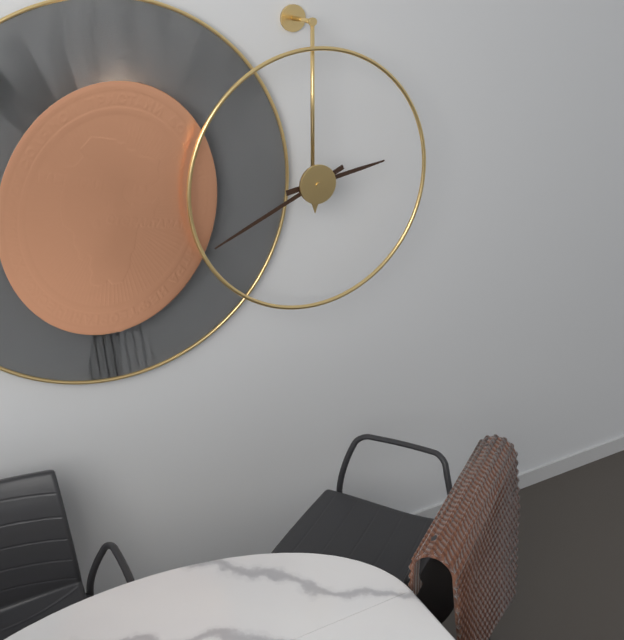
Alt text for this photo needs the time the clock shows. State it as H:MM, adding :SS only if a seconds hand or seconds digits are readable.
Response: 2:41
